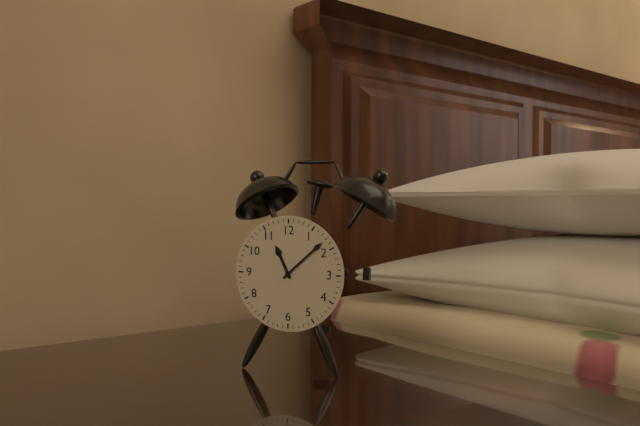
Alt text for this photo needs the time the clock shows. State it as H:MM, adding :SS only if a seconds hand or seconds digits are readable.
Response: 11:08
